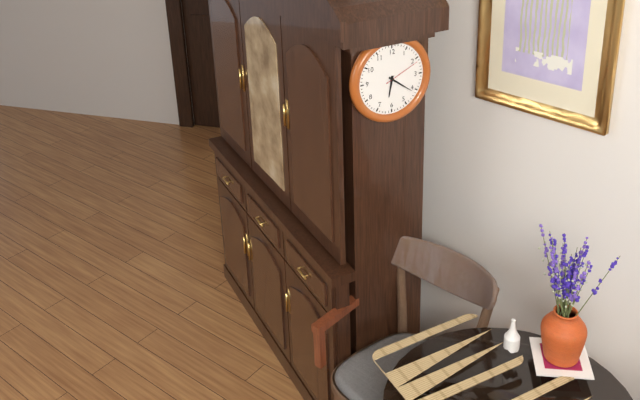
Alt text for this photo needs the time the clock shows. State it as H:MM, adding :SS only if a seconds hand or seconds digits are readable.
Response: 6:21
